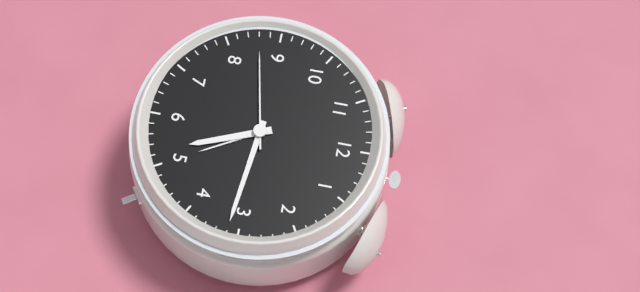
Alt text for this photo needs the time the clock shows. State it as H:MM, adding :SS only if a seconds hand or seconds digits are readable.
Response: 5:16:43
